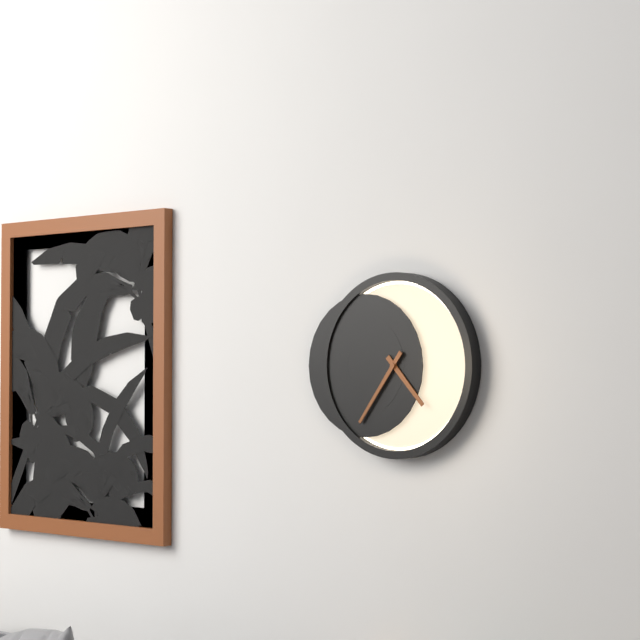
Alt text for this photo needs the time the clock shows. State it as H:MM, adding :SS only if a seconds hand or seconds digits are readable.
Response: 4:36
